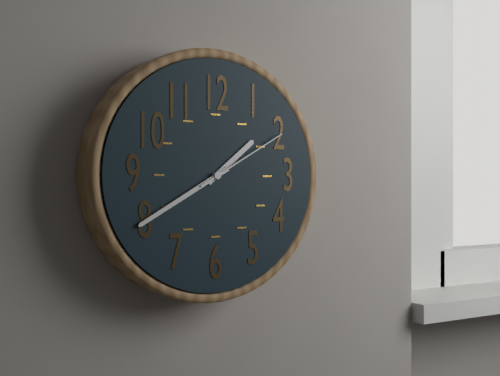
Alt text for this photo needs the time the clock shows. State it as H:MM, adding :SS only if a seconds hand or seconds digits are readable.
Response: 1:40:10
